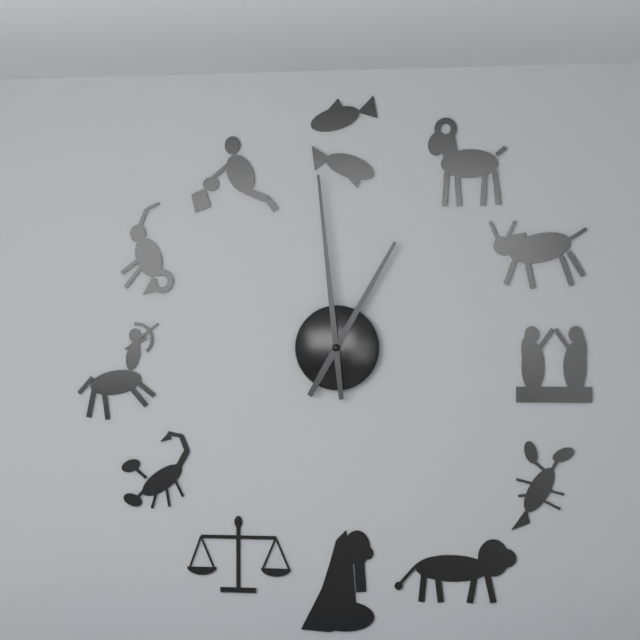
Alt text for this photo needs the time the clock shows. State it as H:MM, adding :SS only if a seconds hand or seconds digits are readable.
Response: 12:59
